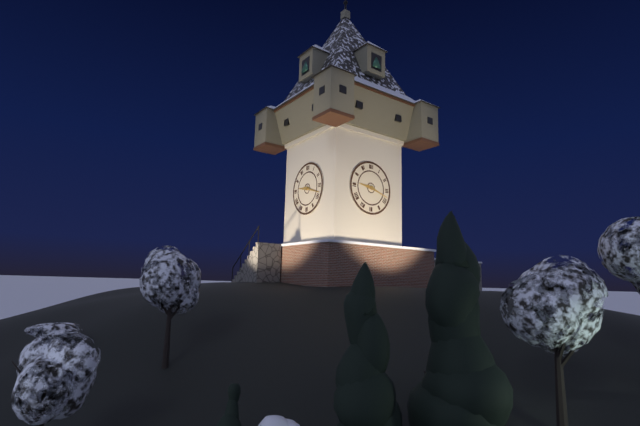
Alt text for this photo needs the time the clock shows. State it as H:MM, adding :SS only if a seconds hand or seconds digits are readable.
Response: 9:18
